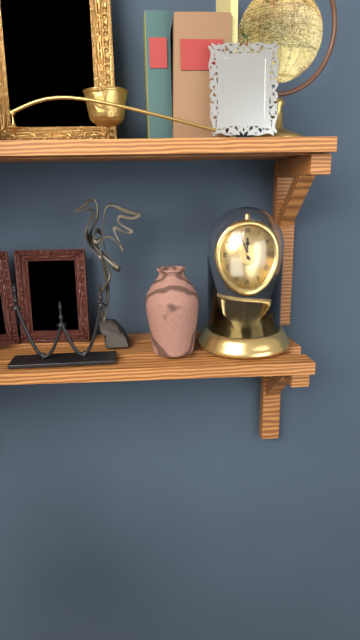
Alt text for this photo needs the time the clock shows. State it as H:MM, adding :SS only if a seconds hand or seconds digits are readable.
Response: 11:56
